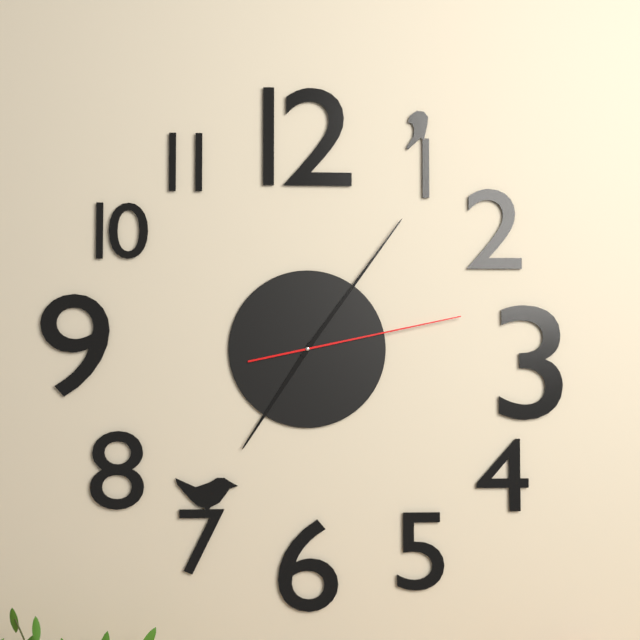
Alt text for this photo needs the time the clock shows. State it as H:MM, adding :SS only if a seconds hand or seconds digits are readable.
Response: 7:06:13
